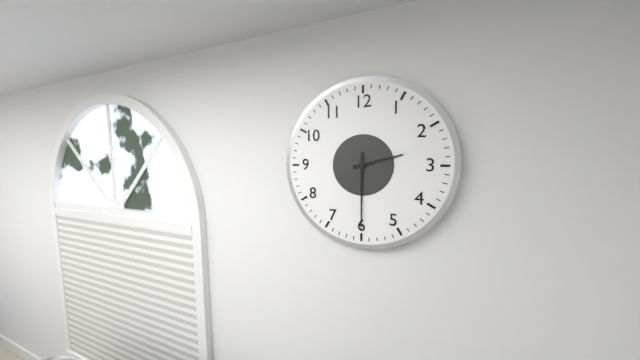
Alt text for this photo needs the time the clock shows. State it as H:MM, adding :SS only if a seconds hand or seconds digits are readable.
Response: 2:30
